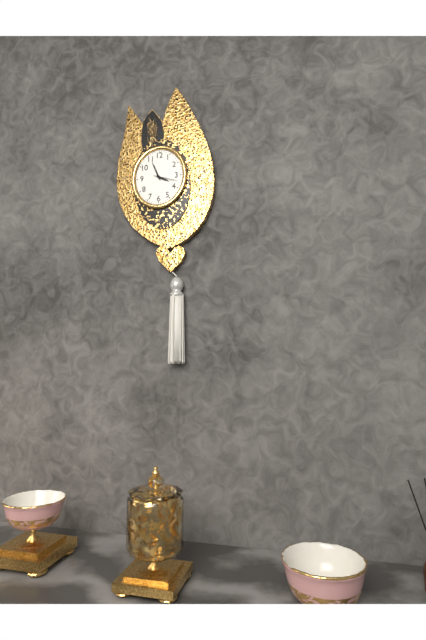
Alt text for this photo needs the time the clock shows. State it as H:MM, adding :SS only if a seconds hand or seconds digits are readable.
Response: 3:56
